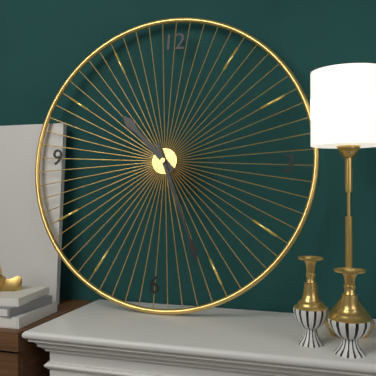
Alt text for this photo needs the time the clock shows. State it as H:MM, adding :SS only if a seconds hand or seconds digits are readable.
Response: 10:26
